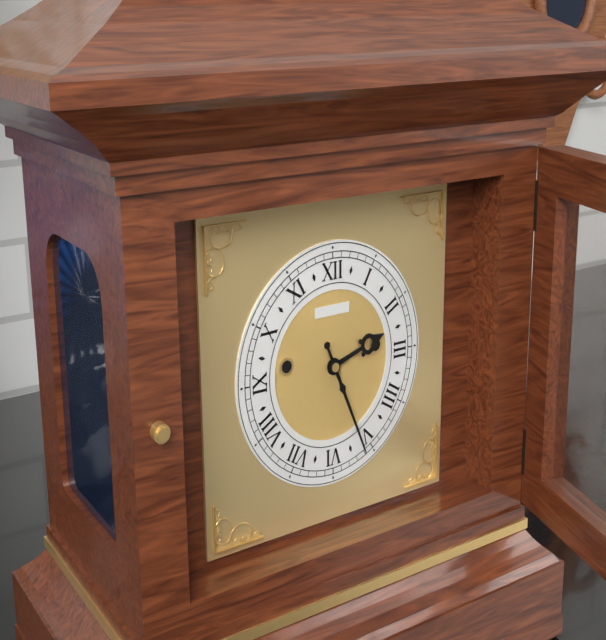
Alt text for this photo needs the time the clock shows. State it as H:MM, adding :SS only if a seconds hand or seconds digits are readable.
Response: 2:26
